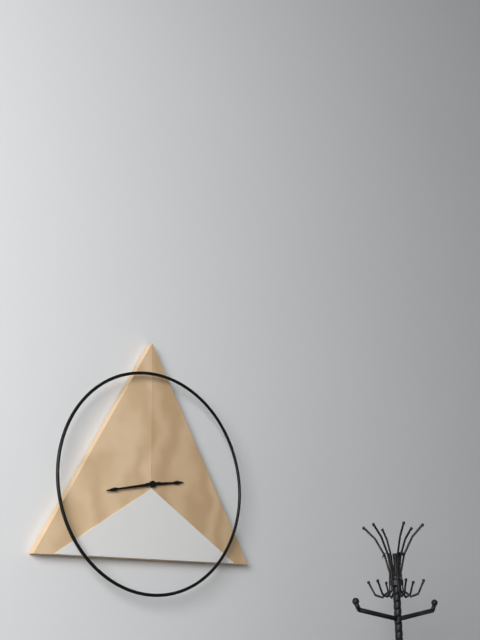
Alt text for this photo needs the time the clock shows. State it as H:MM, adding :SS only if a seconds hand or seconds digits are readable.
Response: 2:43
